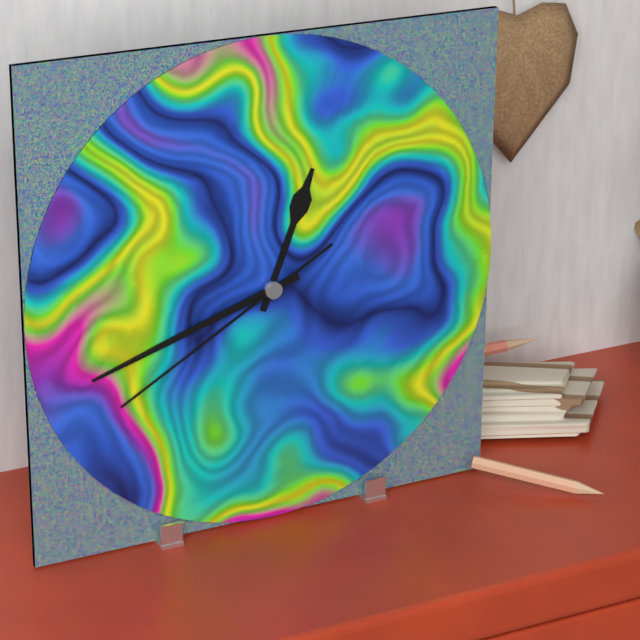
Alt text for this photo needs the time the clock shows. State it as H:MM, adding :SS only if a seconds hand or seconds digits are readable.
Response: 12:42:40
